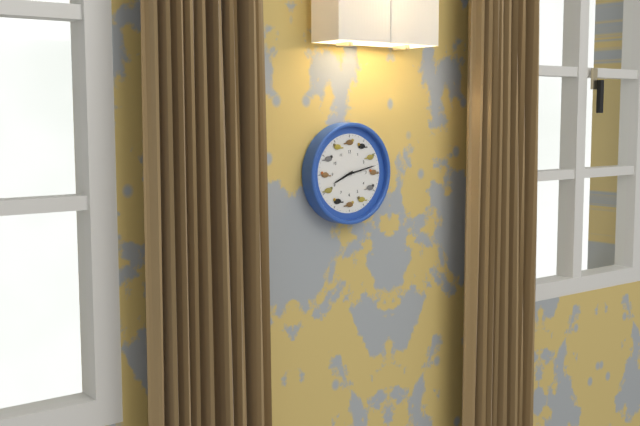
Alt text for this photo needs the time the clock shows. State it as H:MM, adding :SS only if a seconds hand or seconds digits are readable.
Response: 8:13
